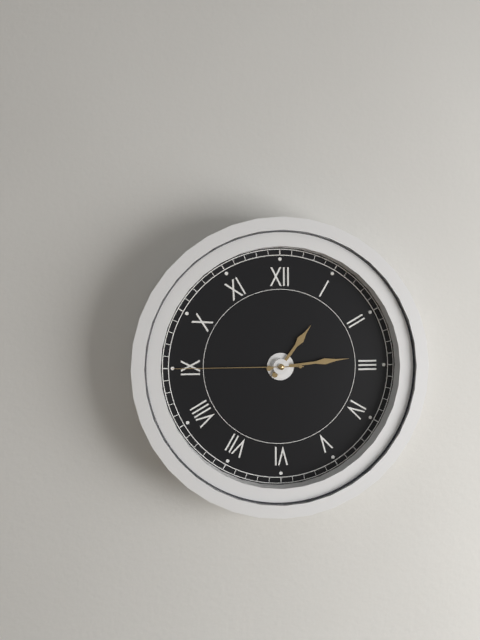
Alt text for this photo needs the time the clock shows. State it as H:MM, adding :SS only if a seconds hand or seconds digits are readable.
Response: 1:14:45
